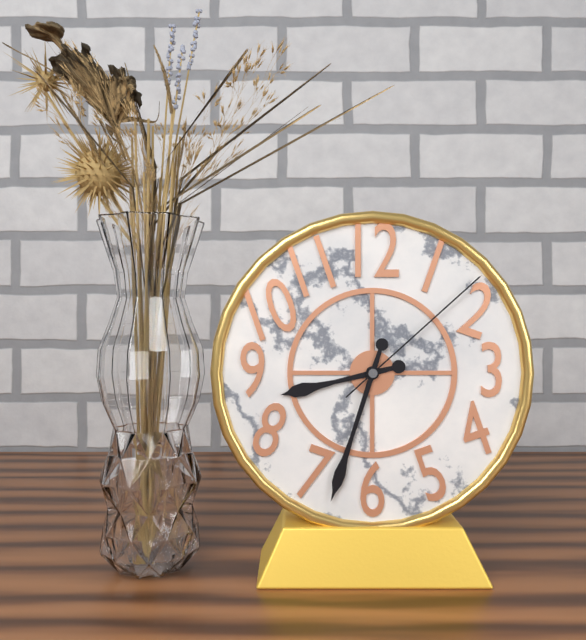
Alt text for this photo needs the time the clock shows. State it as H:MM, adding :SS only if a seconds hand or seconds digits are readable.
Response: 8:33:08
